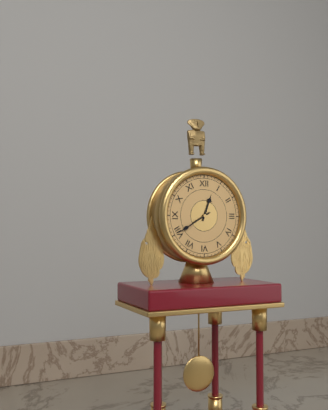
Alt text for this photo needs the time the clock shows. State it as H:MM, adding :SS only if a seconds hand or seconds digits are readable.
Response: 12:40
